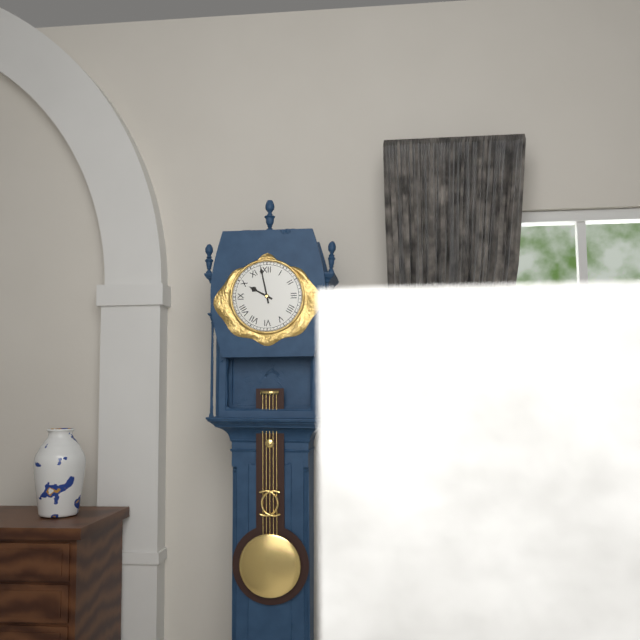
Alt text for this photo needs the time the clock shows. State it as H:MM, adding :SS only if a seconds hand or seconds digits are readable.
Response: 9:58
